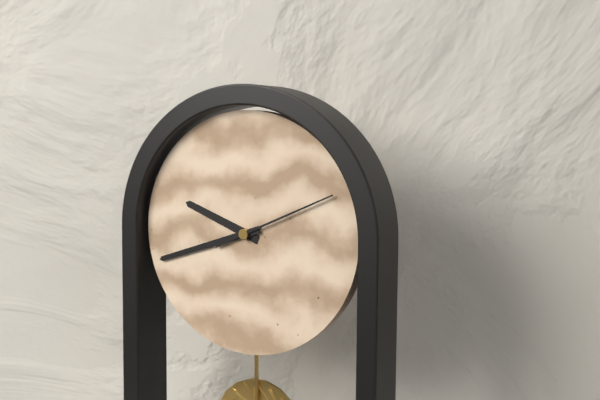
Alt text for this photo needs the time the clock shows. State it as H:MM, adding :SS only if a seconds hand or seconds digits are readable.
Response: 9:42:11
